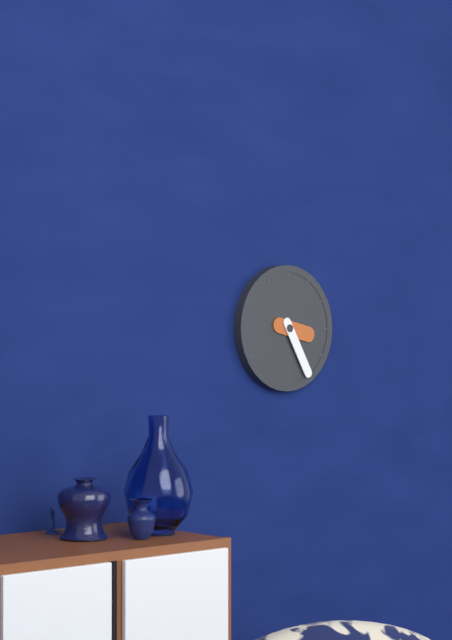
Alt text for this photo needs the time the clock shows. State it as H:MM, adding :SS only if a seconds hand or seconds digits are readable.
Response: 3:25
